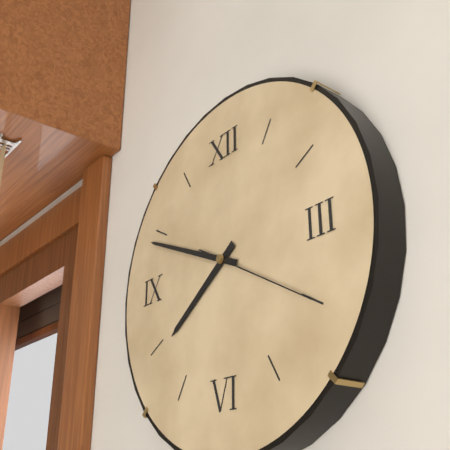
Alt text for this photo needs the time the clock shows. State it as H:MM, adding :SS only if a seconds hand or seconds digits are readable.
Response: 7:49:20
